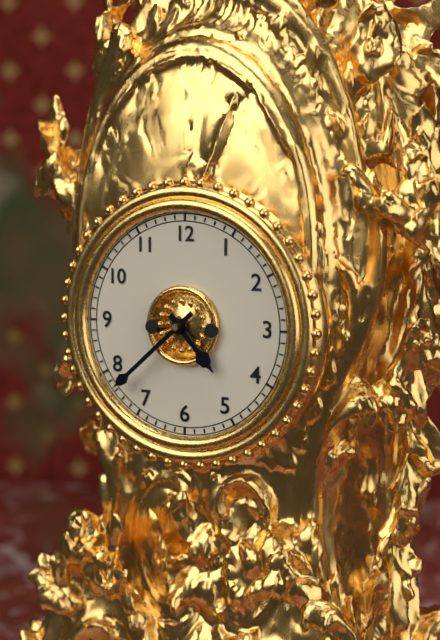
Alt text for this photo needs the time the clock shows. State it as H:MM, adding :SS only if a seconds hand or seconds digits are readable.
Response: 4:38
